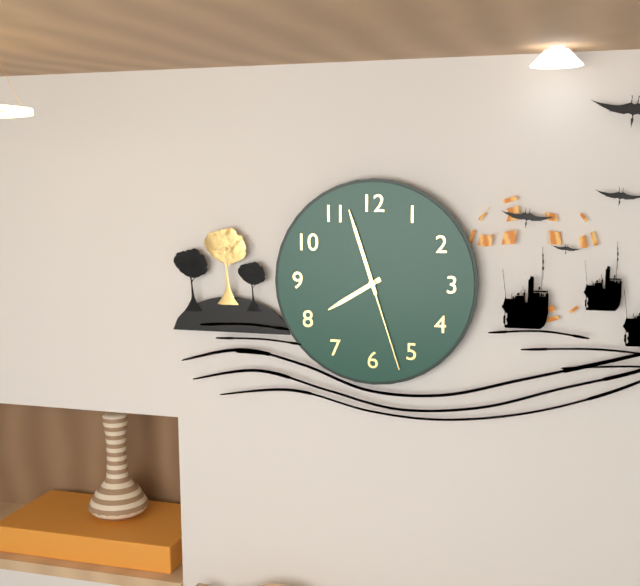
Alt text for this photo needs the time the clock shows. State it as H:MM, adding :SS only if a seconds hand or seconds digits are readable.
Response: 7:57:27
